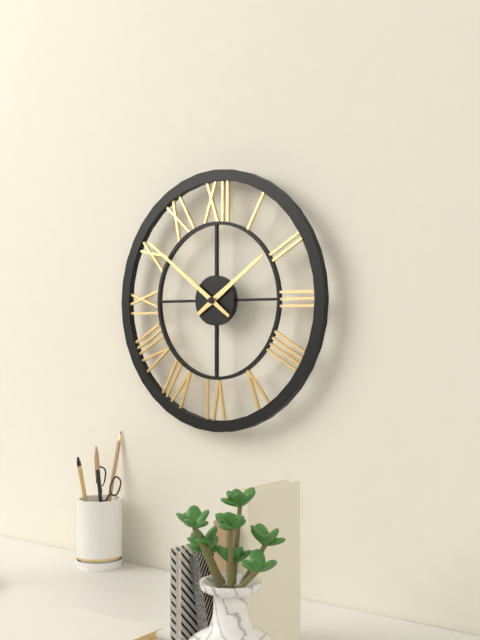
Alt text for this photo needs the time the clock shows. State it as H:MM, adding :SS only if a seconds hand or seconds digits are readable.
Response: 1:51
